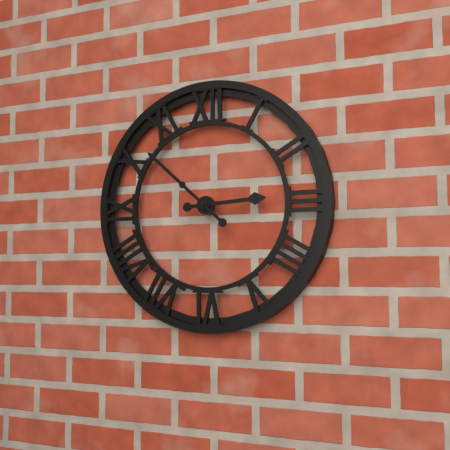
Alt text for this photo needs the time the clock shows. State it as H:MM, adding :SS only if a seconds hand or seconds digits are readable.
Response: 2:52
